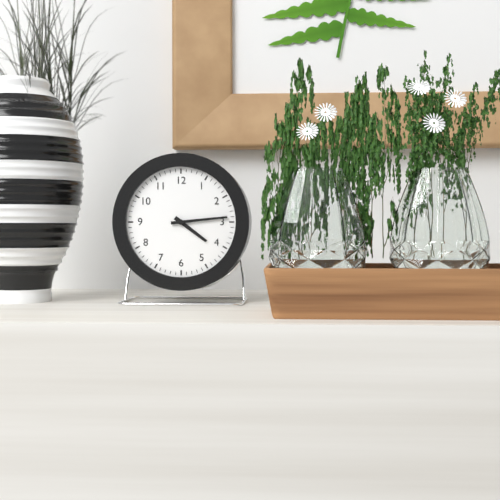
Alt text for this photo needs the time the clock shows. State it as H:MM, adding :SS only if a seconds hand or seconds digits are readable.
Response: 4:14
